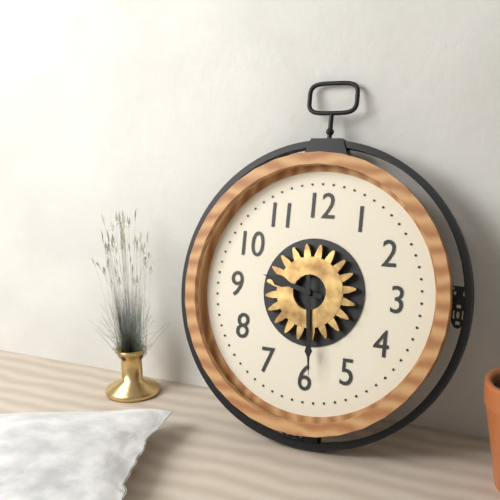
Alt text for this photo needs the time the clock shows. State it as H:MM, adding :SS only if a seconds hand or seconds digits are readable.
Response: 9:29
